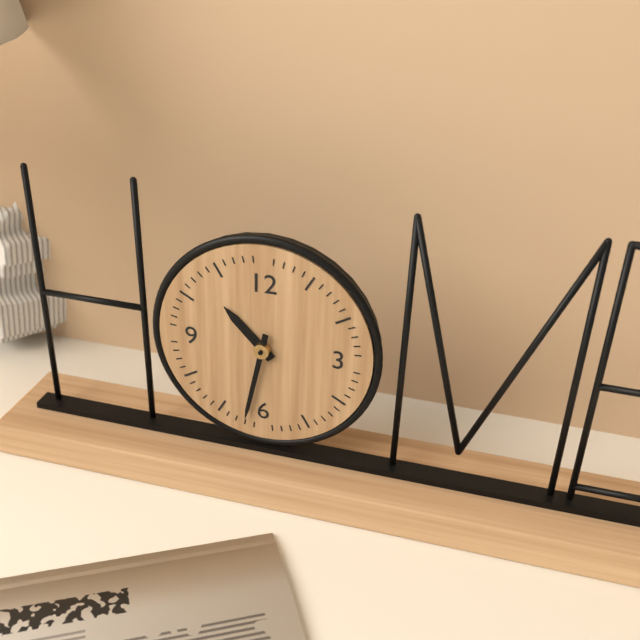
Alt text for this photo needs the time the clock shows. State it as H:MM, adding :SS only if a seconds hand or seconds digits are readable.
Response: 10:32
